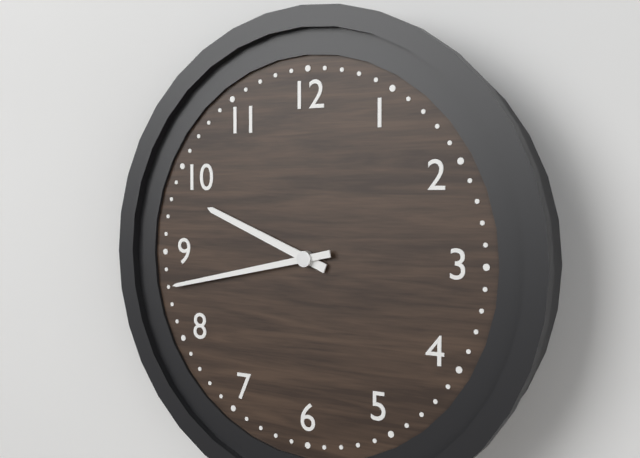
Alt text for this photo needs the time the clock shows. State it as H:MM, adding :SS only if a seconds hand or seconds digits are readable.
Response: 9:43
